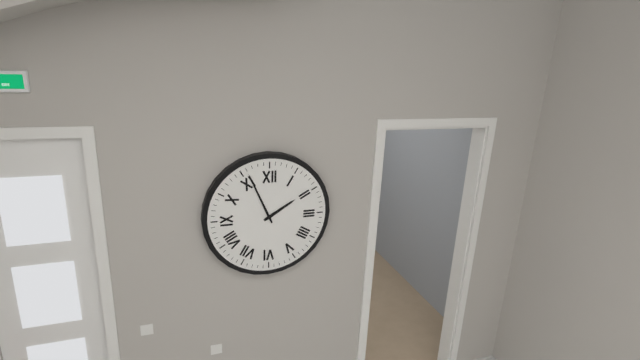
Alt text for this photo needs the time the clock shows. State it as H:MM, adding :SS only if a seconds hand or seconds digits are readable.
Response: 1:56
